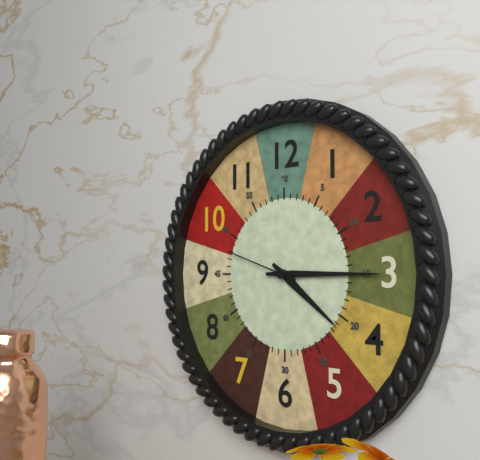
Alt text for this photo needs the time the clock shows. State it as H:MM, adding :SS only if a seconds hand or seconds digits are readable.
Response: 4:15:48
